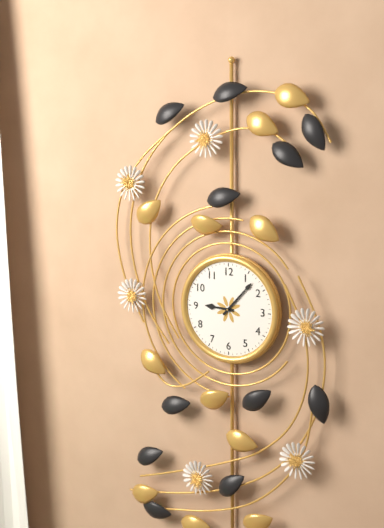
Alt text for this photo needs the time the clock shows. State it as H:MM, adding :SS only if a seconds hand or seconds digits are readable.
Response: 9:07
